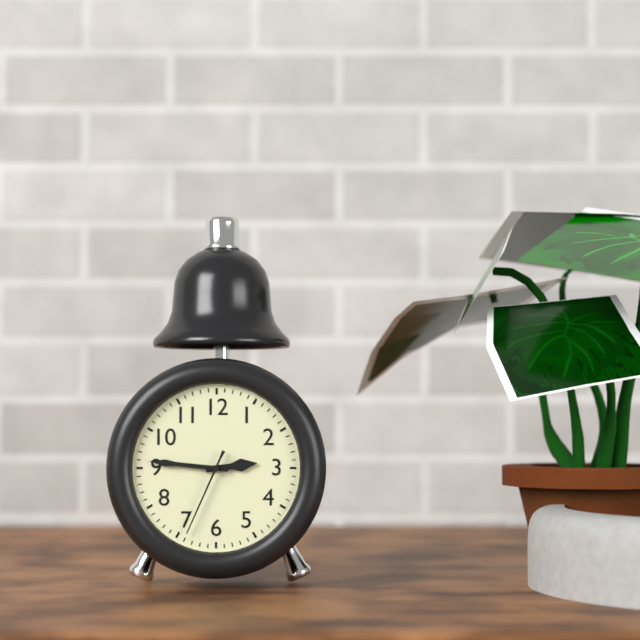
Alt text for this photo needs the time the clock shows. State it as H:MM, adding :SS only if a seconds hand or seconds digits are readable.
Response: 2:46:34
